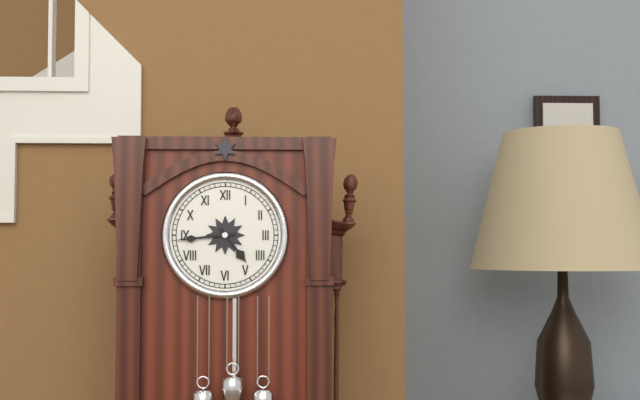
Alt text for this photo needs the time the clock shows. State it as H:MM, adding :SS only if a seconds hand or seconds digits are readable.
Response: 4:44
